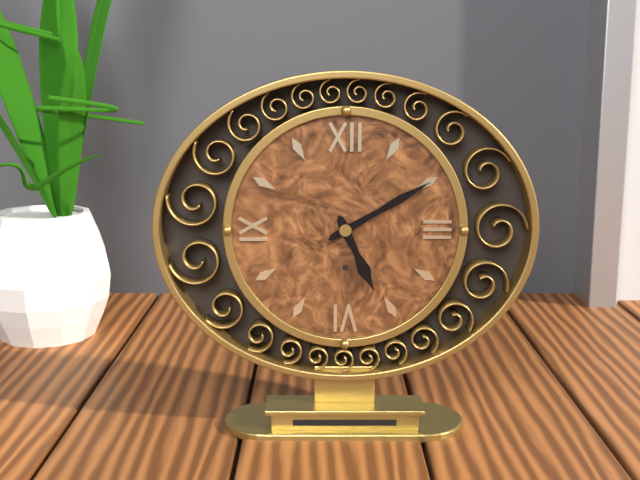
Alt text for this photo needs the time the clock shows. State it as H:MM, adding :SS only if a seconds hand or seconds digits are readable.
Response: 5:10
